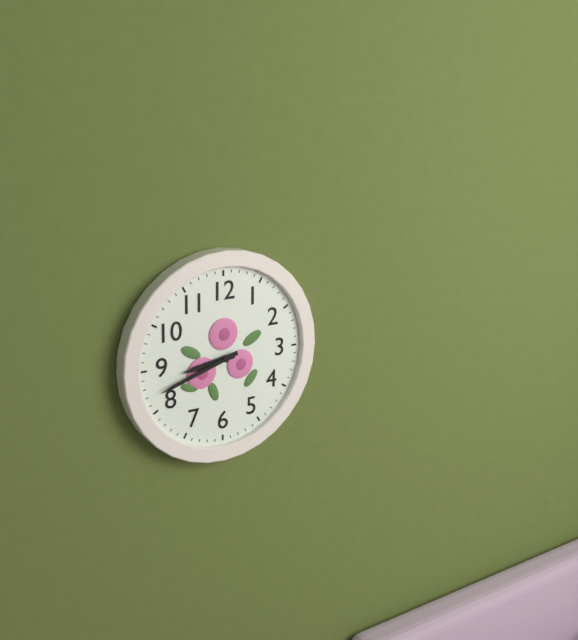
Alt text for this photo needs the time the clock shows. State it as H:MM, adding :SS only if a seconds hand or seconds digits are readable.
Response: 8:42
